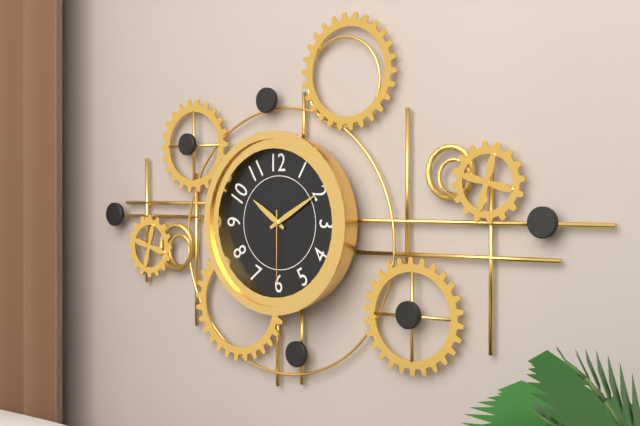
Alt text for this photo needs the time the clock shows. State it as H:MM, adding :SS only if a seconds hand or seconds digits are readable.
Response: 10:10:30
